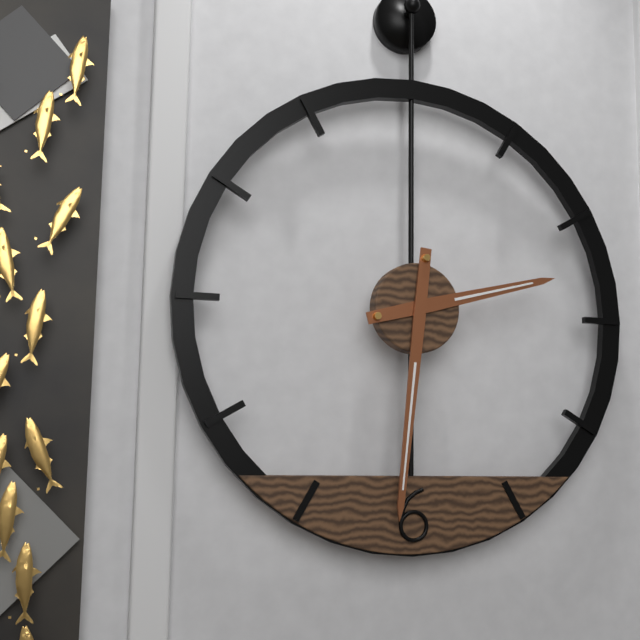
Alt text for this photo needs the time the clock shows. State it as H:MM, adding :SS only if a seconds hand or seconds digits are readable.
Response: 2:31
